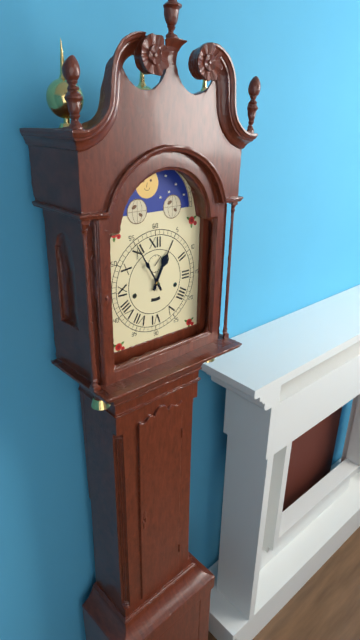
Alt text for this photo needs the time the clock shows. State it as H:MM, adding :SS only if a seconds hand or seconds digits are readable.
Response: 12:55
